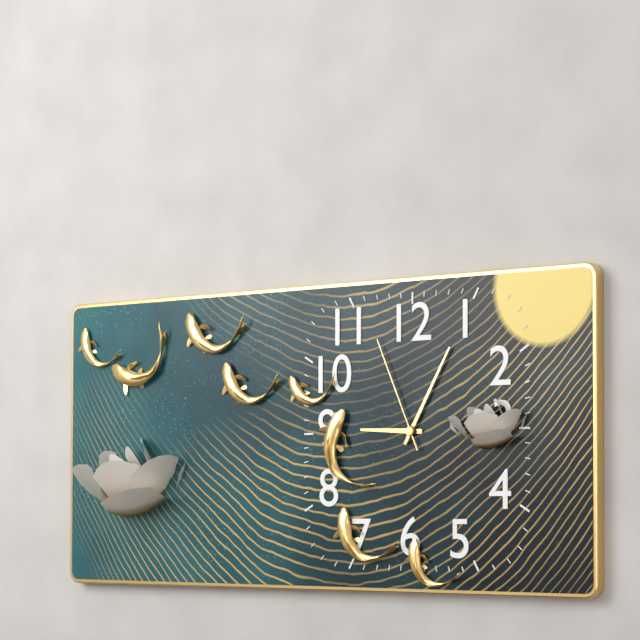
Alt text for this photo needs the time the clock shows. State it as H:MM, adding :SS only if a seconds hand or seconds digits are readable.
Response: 9:05:56
